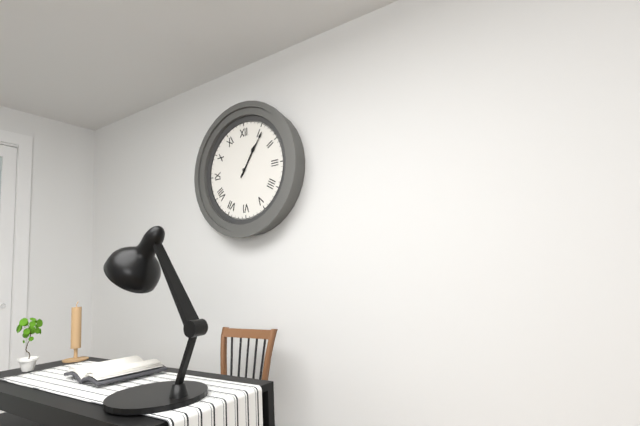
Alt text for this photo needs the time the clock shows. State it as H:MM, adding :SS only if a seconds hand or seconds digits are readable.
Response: 1:06
